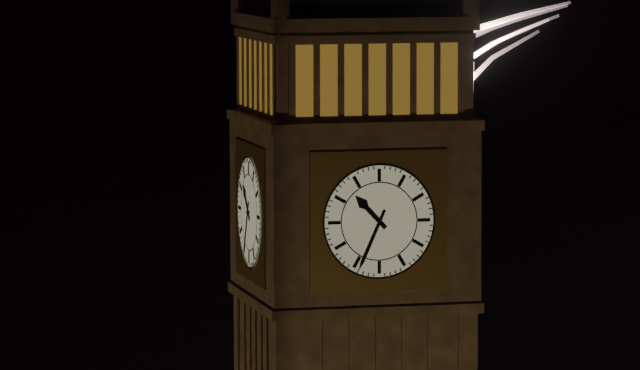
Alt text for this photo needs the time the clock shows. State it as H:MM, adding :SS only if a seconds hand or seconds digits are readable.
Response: 10:34
